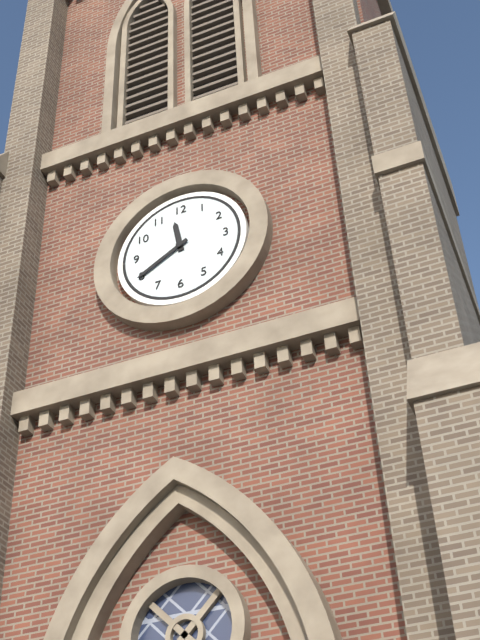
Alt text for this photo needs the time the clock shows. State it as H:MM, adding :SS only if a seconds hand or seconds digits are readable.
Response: 11:40
